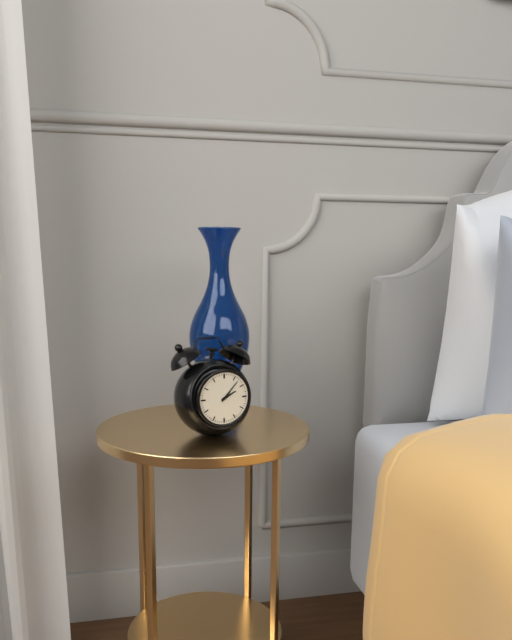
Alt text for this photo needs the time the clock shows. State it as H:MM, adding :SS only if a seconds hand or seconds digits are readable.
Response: 2:07
